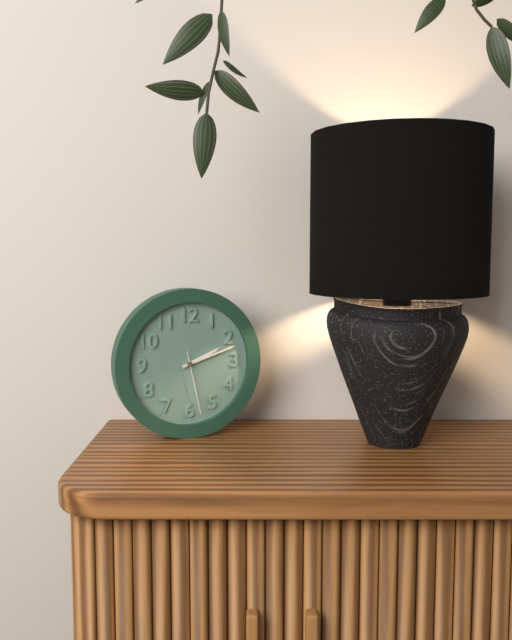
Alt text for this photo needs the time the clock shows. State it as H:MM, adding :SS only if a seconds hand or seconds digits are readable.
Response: 2:12:28
